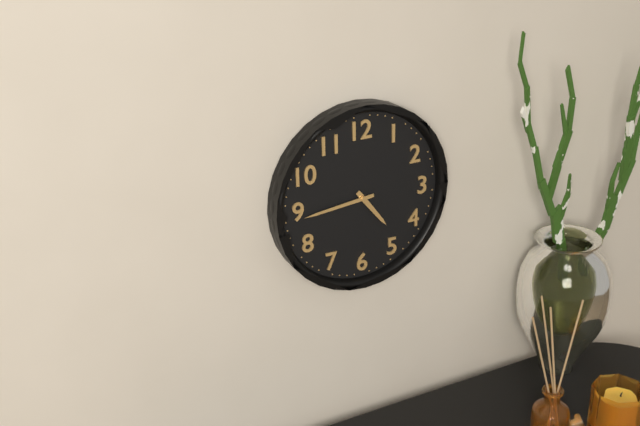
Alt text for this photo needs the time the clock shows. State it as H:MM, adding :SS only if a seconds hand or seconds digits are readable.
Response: 4:44
